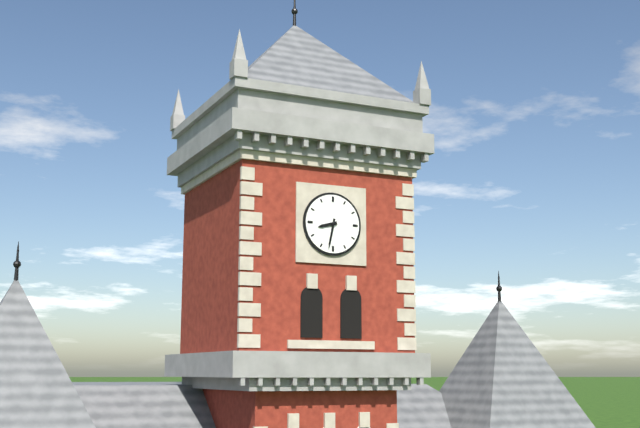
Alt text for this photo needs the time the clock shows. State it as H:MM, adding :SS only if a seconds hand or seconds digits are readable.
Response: 8:32
